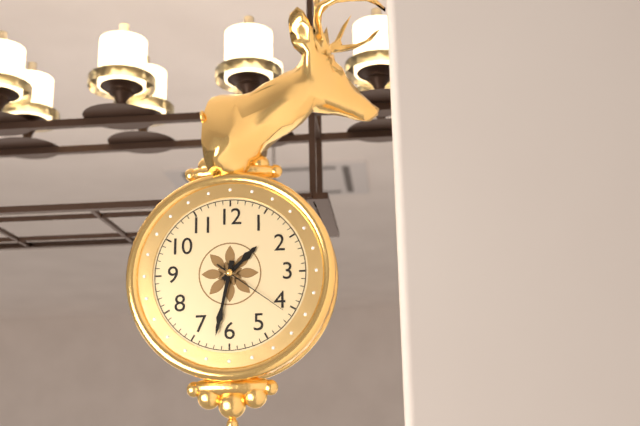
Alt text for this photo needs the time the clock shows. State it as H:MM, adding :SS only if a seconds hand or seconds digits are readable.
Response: 1:32:21
